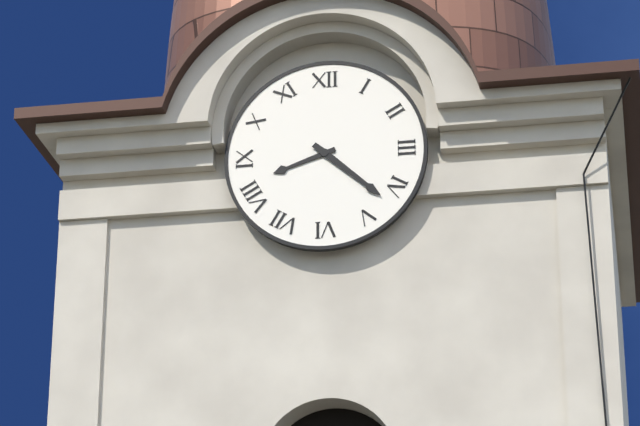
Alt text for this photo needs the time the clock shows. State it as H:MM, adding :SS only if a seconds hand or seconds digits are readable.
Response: 8:22
